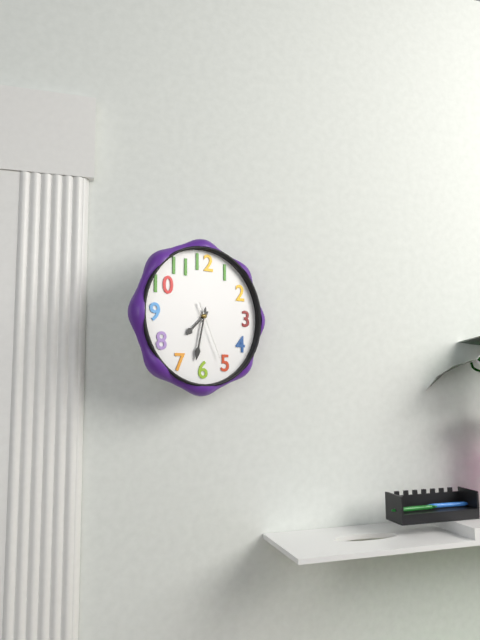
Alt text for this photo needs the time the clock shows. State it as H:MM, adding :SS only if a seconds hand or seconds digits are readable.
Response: 7:32:26
